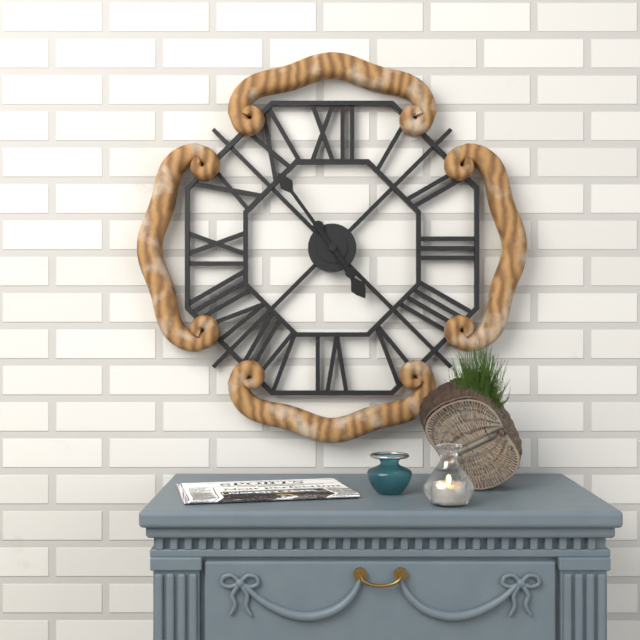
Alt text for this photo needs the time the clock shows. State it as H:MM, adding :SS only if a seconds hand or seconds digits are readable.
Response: 4:54
